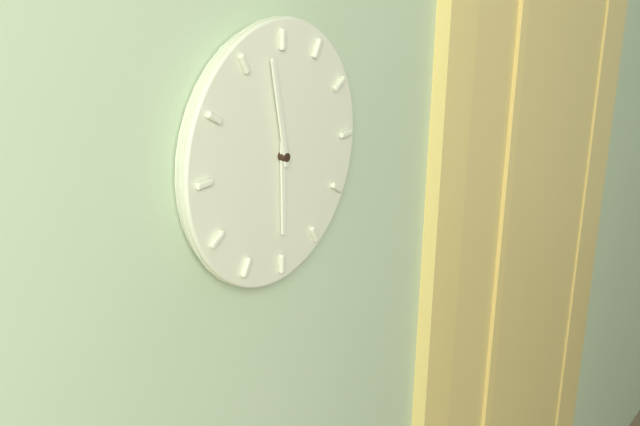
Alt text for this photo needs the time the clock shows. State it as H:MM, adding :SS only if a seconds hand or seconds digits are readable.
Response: 5:58
